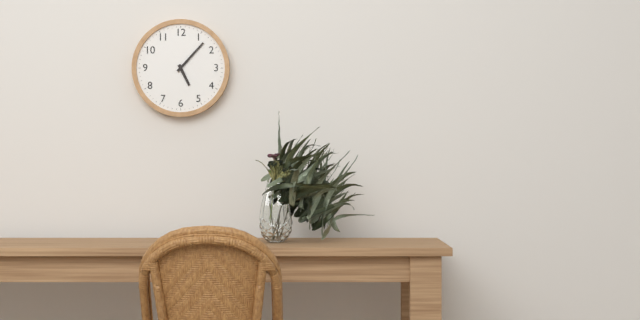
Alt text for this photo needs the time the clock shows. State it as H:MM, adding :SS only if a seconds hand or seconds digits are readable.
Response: 5:07
